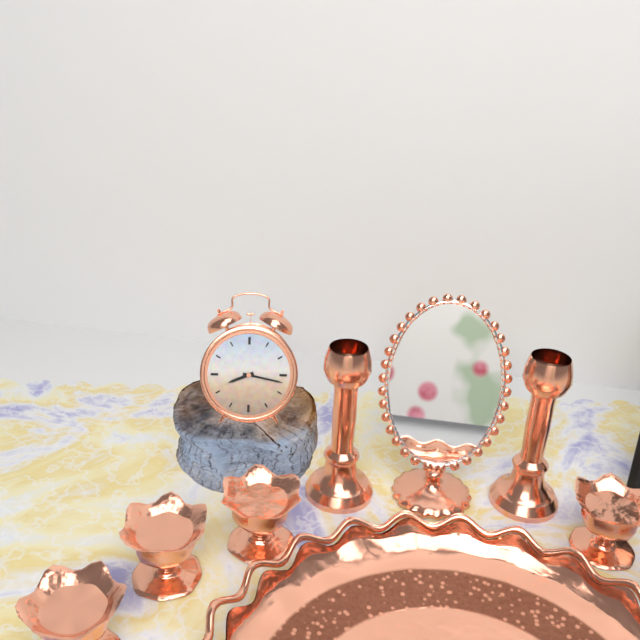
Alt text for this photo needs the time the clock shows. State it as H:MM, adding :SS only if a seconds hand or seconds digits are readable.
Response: 8:17
